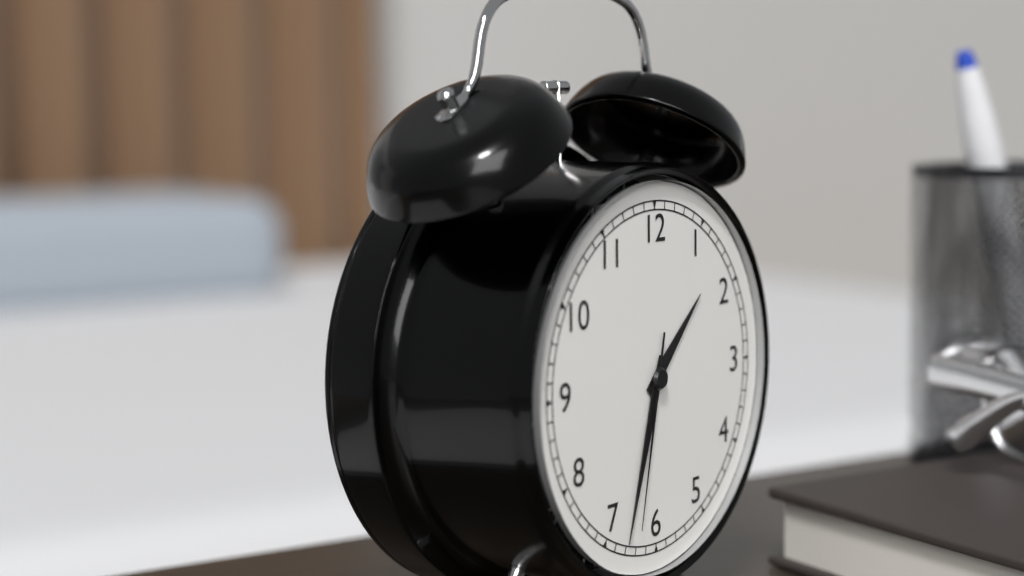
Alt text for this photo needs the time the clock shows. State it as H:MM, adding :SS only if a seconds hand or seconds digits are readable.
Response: 1:33:32
